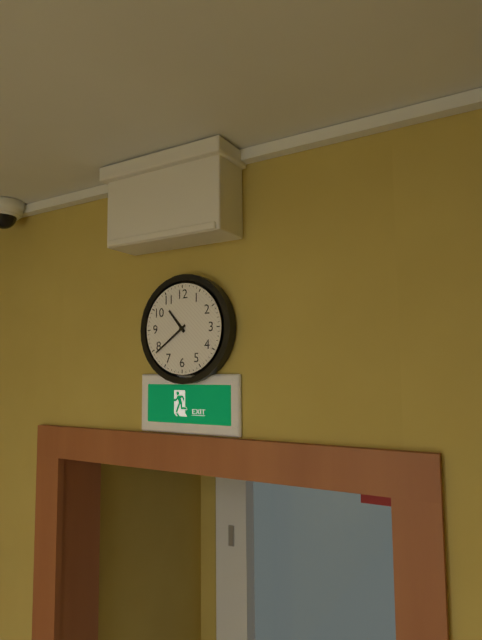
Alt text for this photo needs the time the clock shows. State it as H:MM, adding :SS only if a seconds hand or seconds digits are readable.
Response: 10:39
